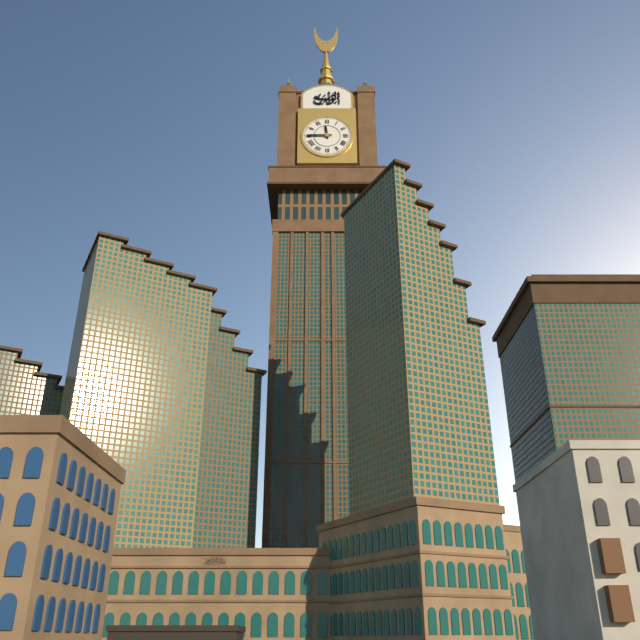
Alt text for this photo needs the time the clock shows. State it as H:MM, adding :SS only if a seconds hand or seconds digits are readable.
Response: 11:45
